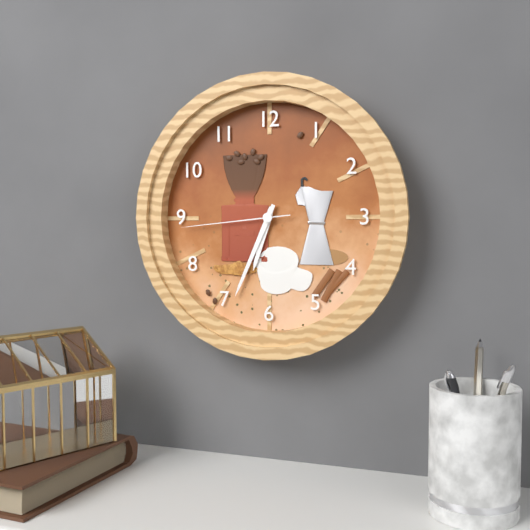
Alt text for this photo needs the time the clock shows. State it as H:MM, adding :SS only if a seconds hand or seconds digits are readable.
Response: 6:34:44
